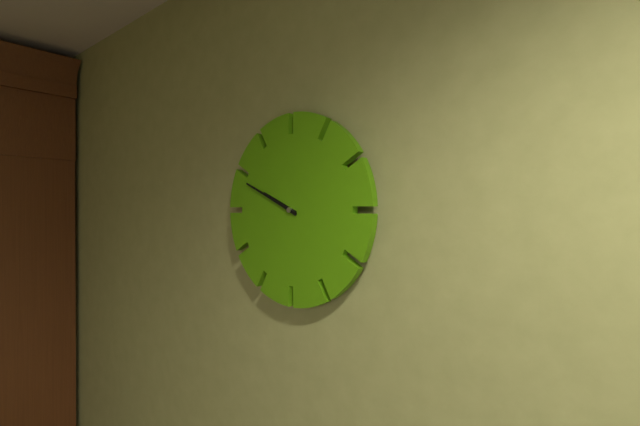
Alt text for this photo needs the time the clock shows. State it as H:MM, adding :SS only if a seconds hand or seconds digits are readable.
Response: 9:49
